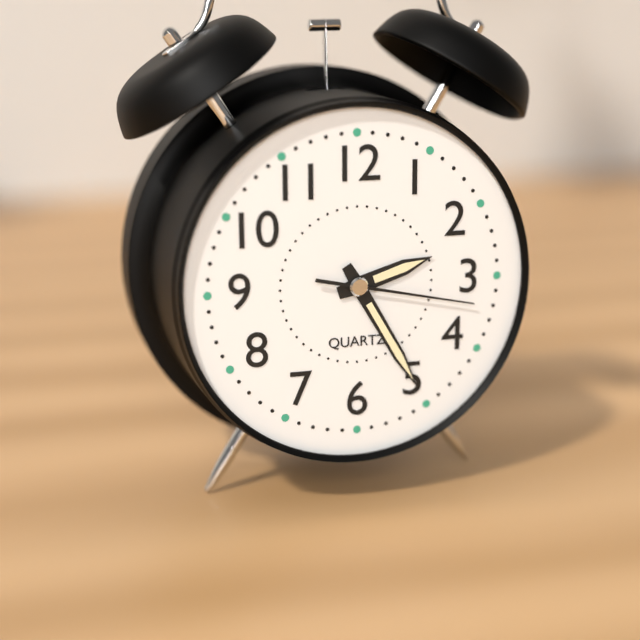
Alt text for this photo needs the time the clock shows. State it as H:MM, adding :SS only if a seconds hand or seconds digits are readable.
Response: 2:25:17
